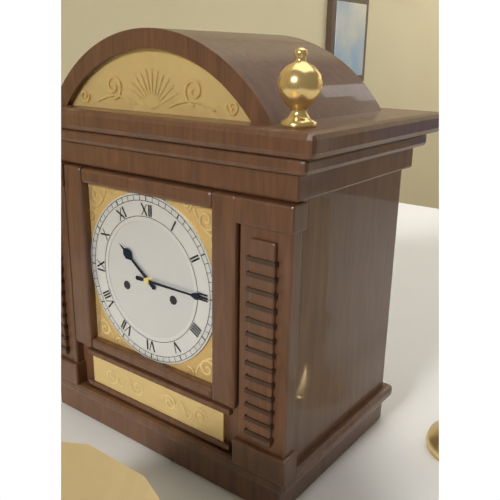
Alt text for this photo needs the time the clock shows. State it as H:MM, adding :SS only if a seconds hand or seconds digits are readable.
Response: 10:15
